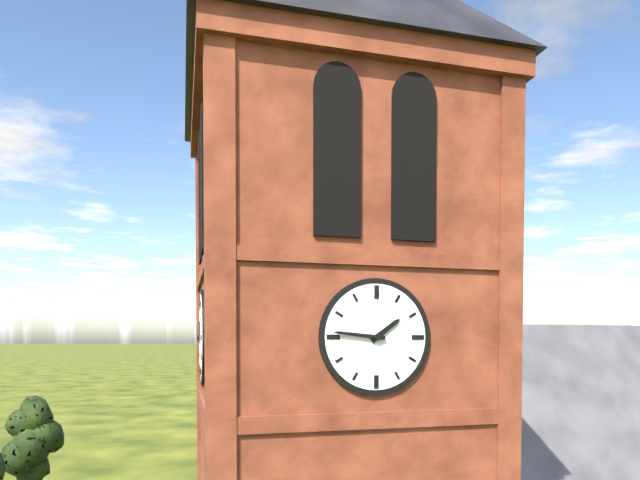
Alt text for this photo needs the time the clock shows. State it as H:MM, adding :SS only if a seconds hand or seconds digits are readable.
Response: 1:46
